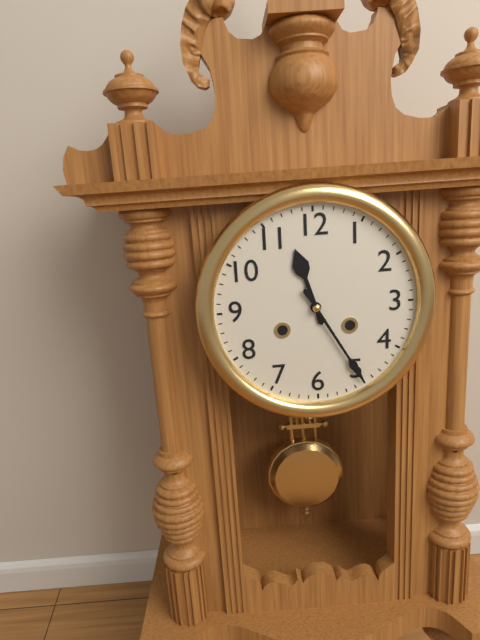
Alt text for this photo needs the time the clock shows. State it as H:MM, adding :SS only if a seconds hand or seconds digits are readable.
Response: 11:25
